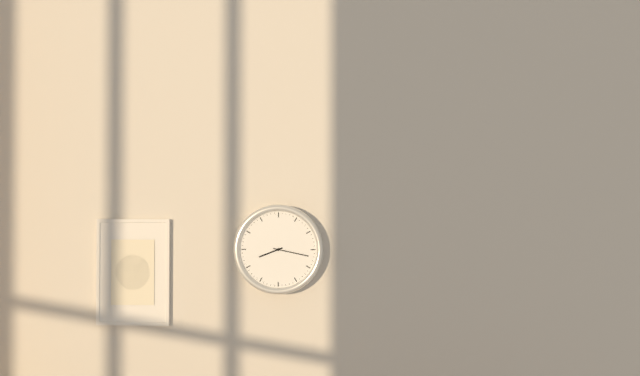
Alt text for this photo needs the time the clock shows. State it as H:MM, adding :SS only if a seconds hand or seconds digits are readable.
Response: 8:17
